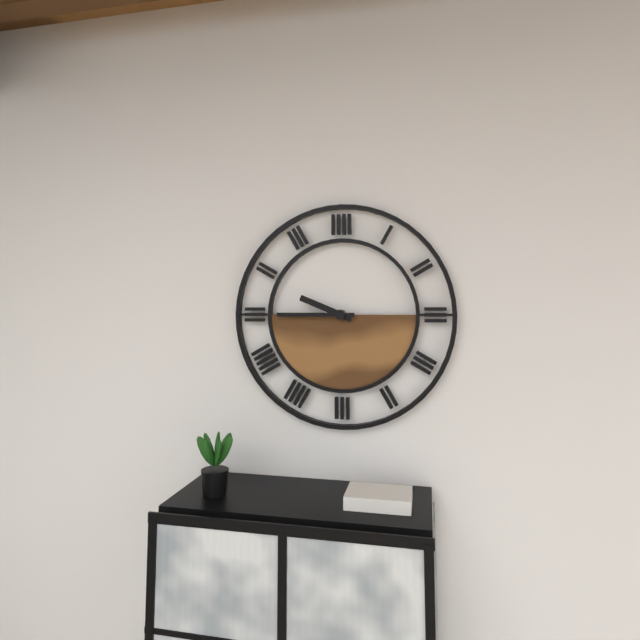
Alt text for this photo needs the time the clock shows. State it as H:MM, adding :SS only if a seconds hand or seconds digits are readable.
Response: 9:45
